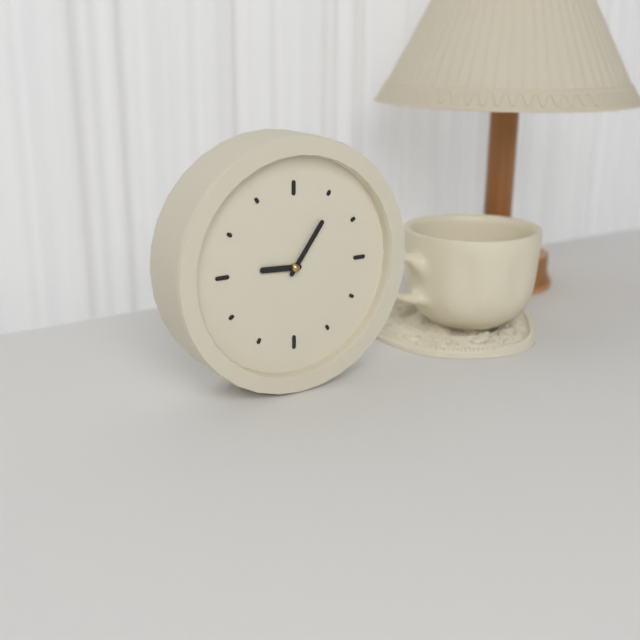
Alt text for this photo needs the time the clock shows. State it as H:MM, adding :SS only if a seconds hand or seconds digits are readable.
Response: 9:06
